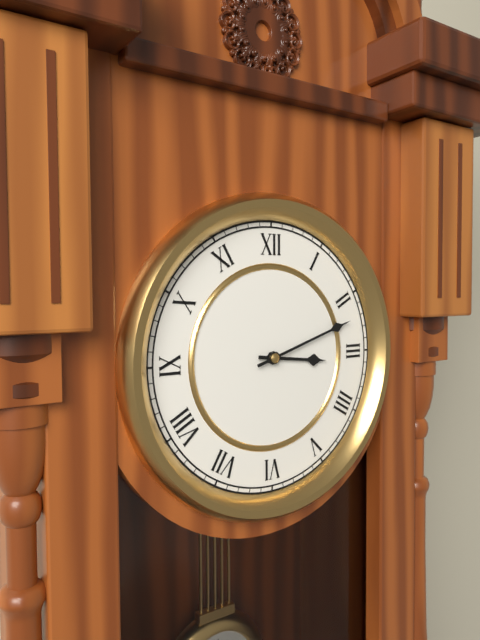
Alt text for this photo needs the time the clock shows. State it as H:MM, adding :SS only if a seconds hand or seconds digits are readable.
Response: 3:12
